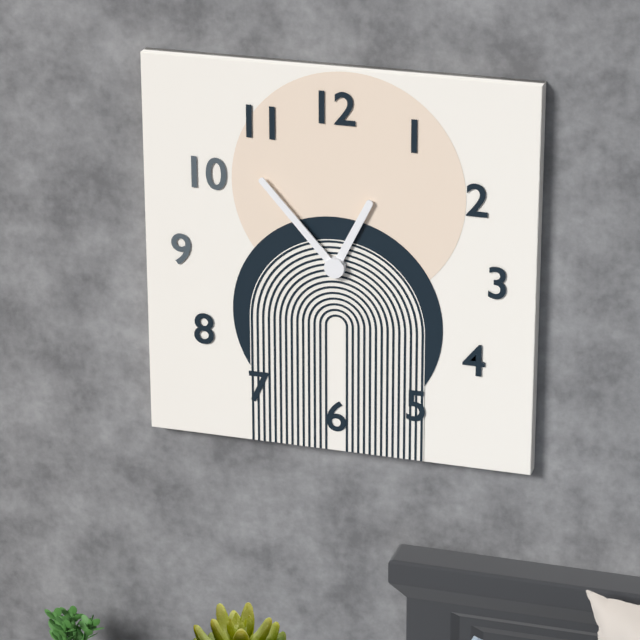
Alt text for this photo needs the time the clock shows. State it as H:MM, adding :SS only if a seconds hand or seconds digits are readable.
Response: 12:53
